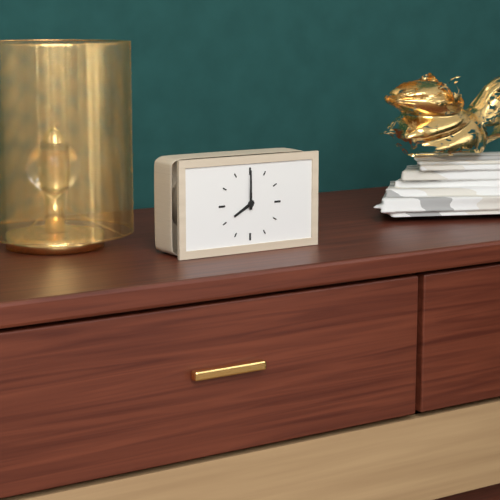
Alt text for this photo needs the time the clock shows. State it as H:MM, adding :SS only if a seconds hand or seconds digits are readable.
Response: 8:00
